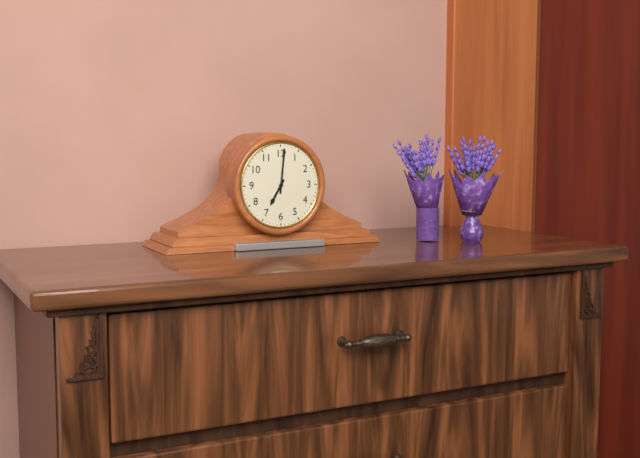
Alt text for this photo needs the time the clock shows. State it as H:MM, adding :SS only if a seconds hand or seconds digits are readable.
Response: 7:01
